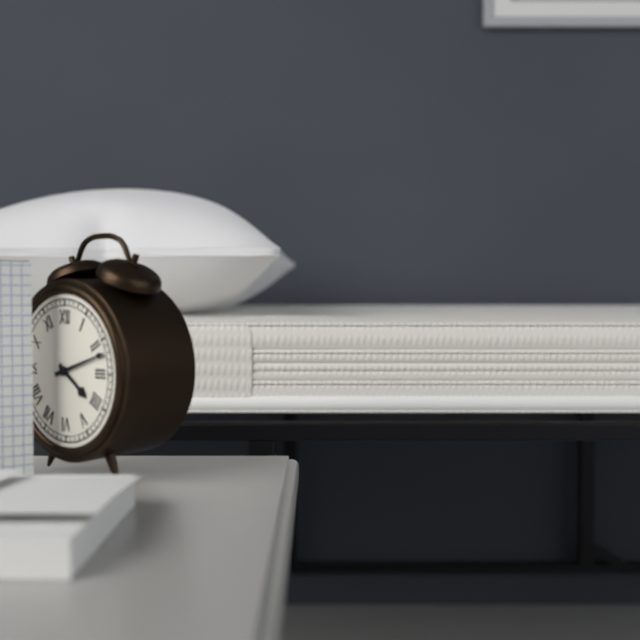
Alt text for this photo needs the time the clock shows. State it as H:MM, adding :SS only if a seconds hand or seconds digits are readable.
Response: 4:12
